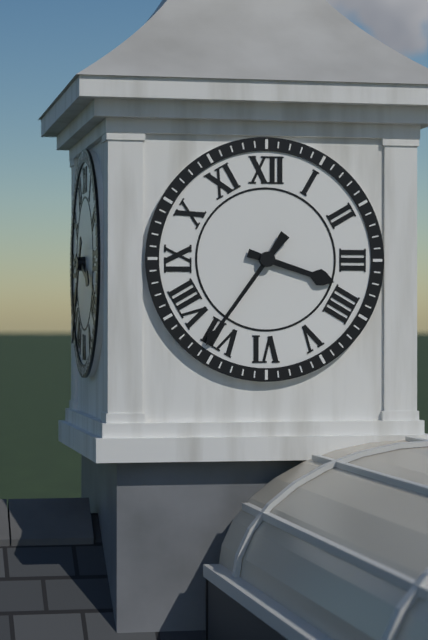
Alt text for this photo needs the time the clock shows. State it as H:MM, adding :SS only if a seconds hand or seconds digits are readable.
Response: 3:36
